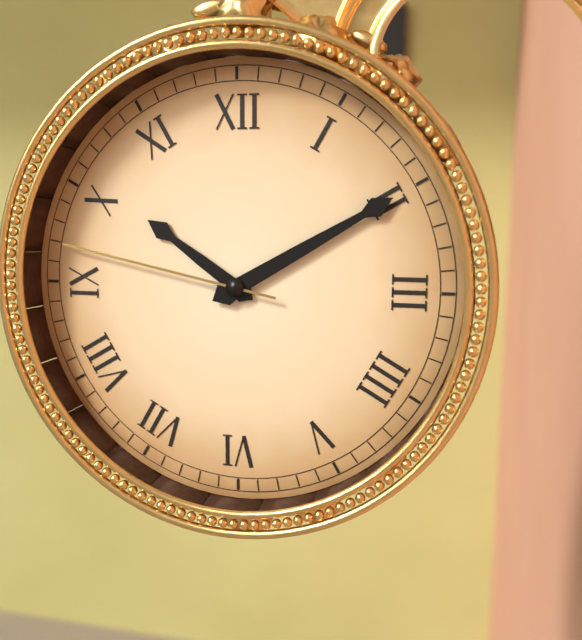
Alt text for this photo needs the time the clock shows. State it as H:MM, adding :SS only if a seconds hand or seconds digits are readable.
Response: 10:10:47
